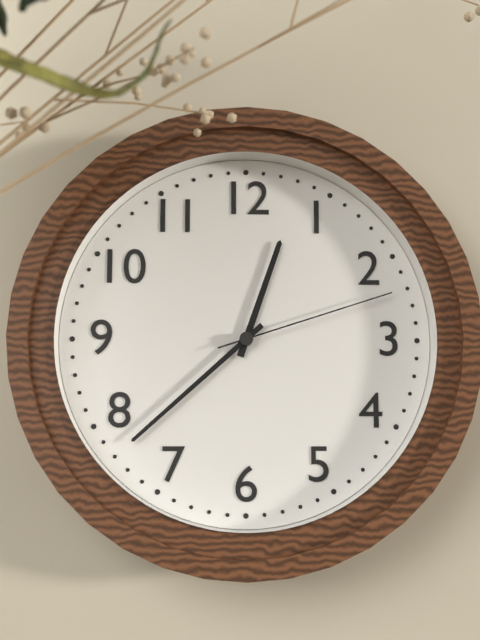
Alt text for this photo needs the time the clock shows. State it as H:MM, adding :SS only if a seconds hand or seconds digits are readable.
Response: 12:38:12
